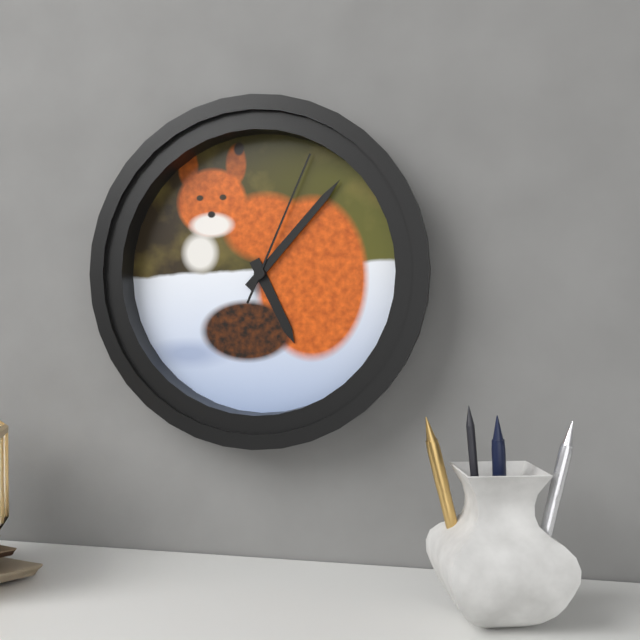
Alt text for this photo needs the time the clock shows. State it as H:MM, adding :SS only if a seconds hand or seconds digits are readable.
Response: 5:07:04
